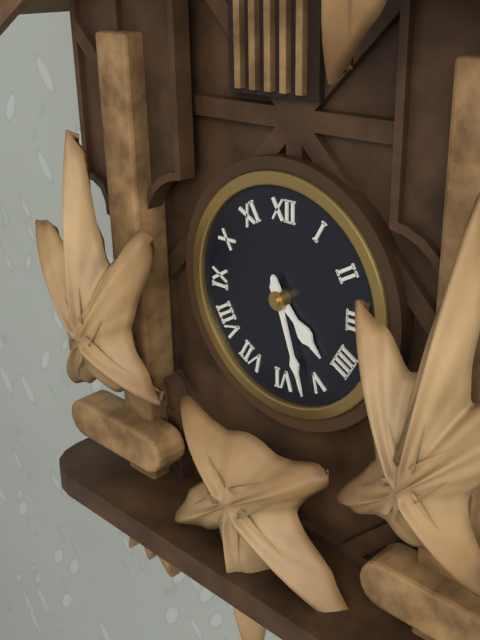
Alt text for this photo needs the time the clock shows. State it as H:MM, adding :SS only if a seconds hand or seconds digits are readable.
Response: 4:27
